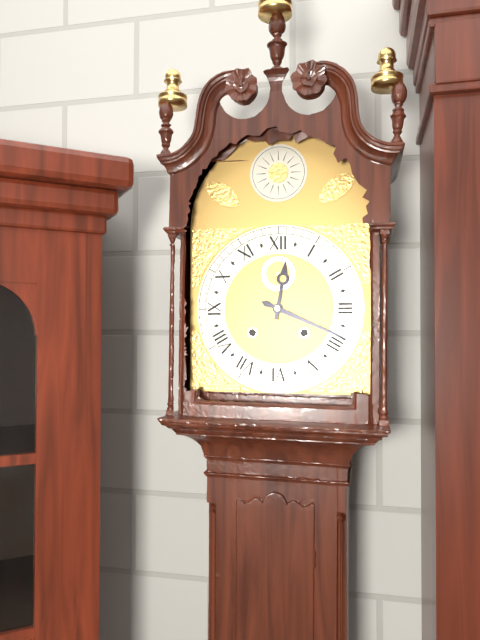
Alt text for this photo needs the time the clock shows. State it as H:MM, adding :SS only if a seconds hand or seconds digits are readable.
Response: 12:19
